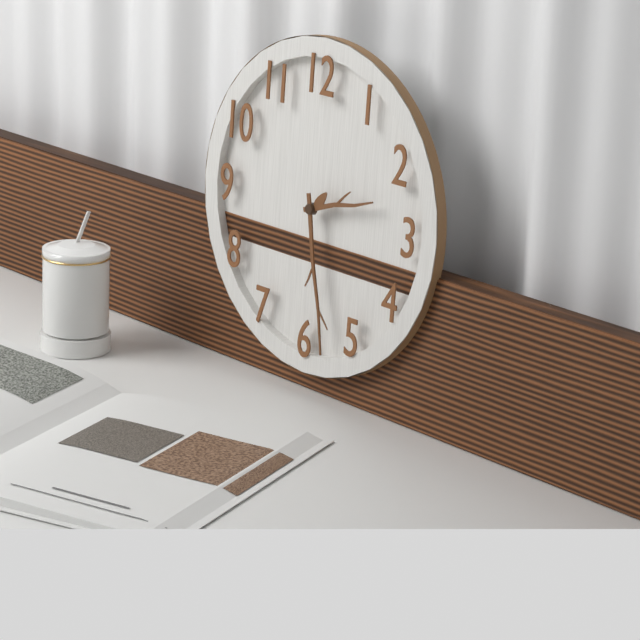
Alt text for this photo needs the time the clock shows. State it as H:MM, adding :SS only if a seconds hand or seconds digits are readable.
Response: 2:28
